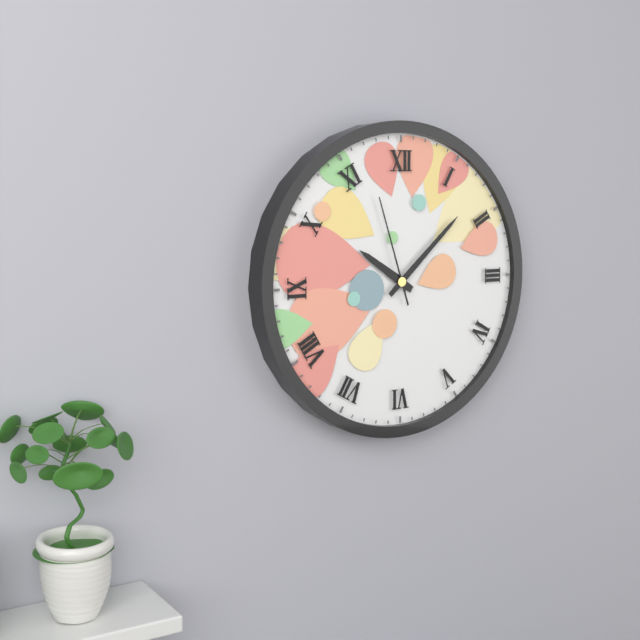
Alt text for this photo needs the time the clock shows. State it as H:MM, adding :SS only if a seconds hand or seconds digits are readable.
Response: 10:08:57
